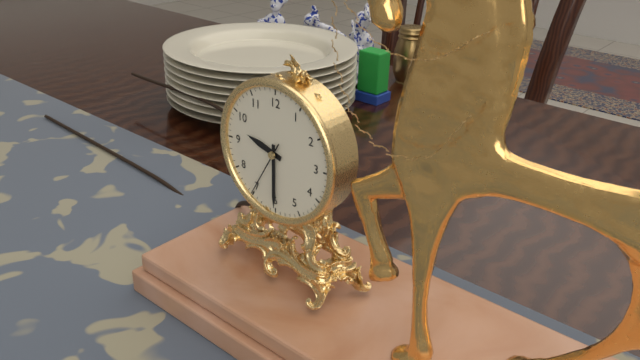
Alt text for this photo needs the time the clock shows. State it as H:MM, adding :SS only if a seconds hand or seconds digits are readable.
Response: 9:30:35
